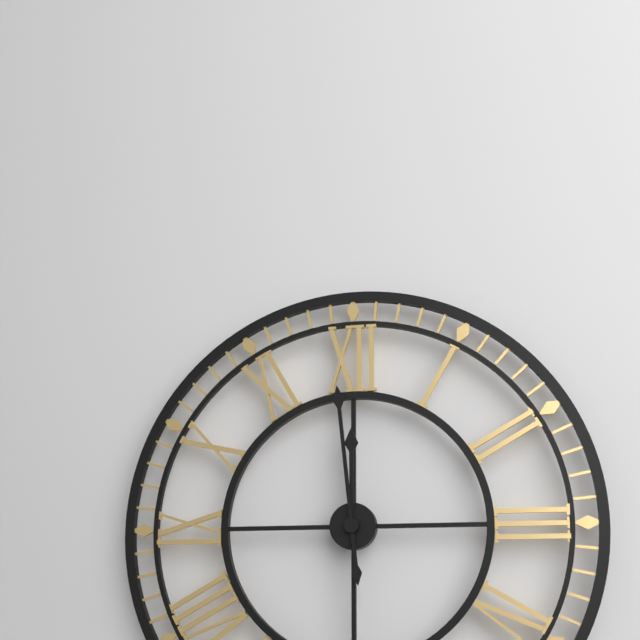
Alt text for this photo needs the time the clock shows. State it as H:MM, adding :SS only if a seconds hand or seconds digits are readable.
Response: 11:59
